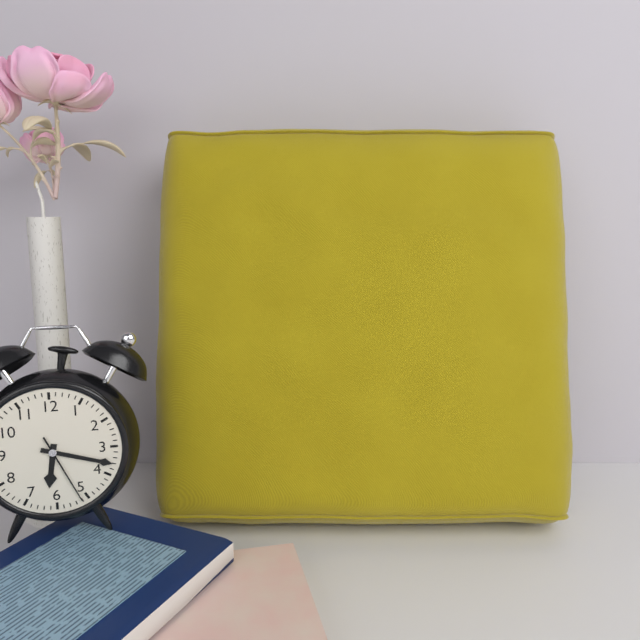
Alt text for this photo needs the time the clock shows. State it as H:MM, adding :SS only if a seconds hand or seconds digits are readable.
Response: 6:18:26
